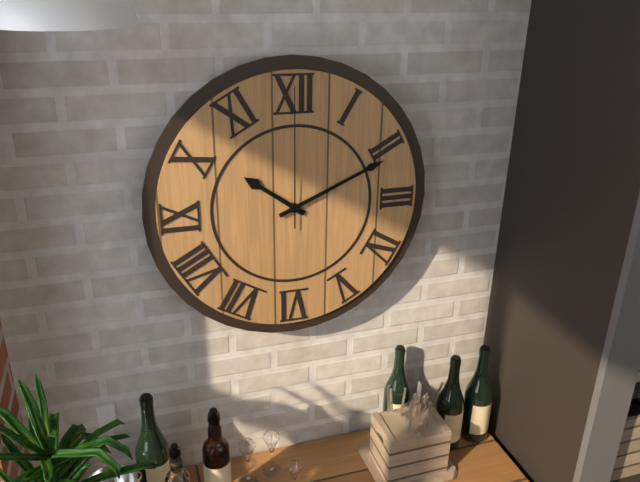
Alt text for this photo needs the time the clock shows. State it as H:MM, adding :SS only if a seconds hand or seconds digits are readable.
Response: 10:11:00
